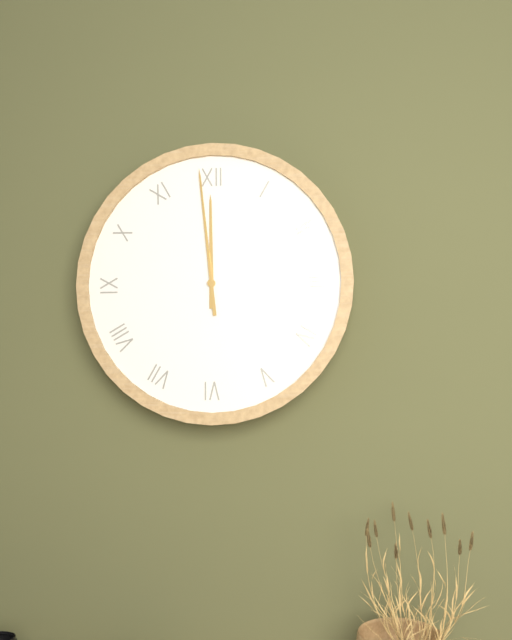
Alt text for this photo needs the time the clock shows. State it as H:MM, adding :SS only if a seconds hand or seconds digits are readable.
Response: 11:59
